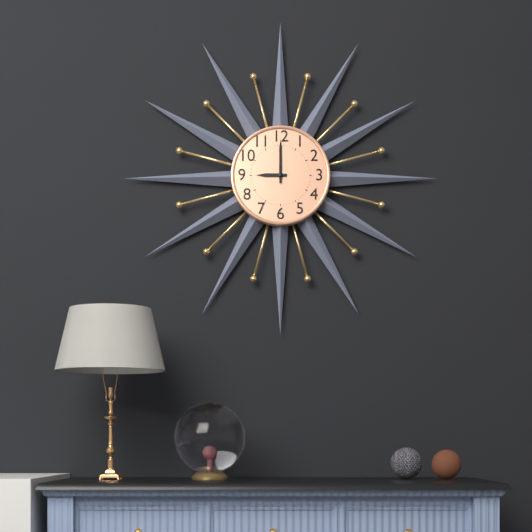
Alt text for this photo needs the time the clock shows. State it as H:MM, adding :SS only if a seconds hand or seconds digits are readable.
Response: 9:00
